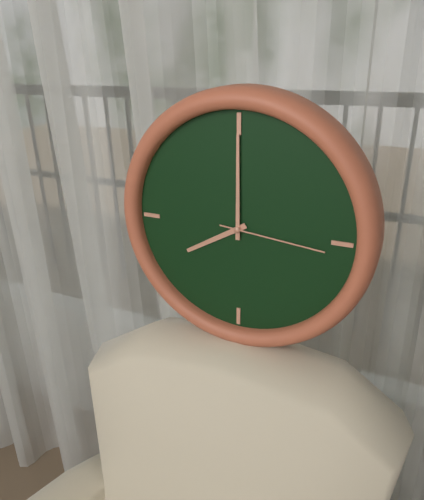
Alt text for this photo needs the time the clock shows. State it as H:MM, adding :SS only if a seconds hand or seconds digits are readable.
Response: 8:00:16
